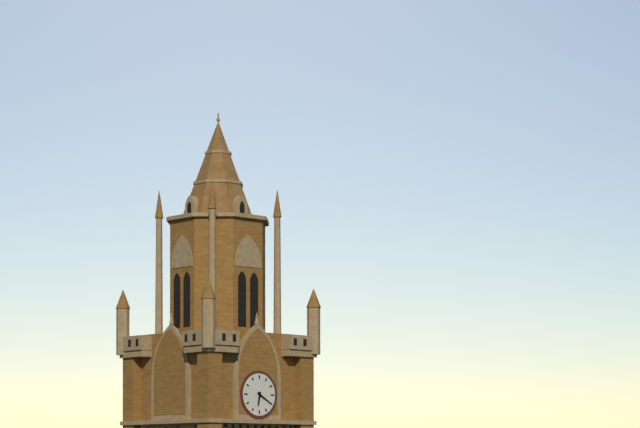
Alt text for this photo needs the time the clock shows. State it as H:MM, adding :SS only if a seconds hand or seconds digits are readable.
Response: 6:20
